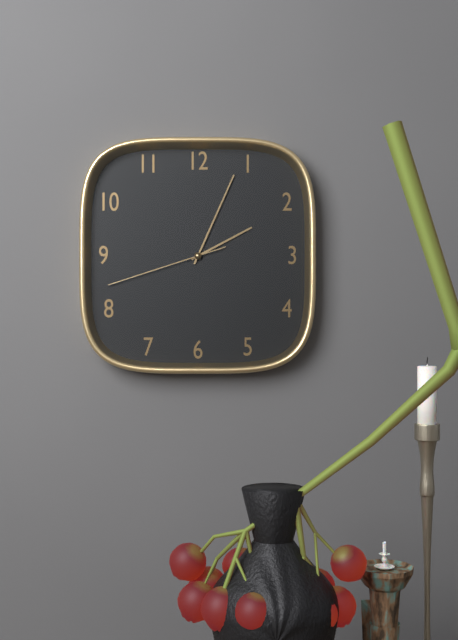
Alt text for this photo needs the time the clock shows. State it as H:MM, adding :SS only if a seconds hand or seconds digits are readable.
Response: 2:04:42
